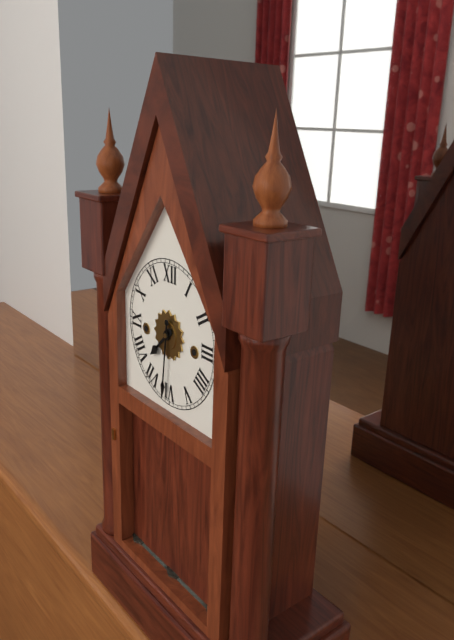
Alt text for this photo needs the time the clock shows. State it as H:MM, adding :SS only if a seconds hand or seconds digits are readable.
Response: 7:31
